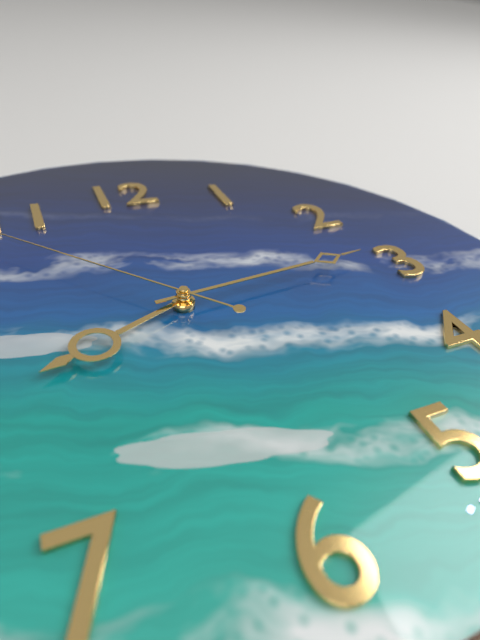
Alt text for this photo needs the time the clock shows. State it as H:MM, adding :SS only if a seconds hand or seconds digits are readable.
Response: 8:14
